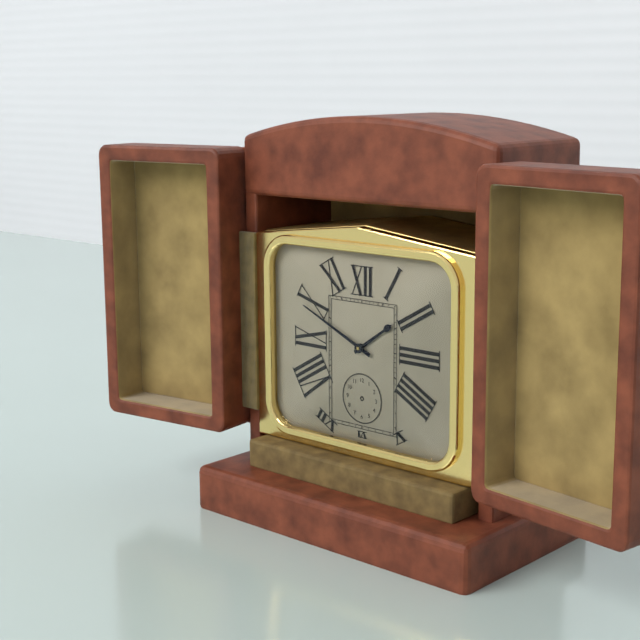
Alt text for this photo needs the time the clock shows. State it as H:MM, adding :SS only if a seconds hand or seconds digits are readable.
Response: 1:49
